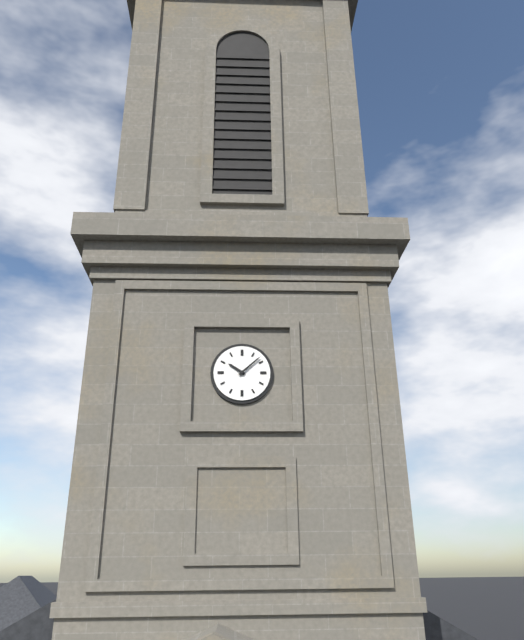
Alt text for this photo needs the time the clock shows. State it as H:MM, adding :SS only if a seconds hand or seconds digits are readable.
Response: 10:08
